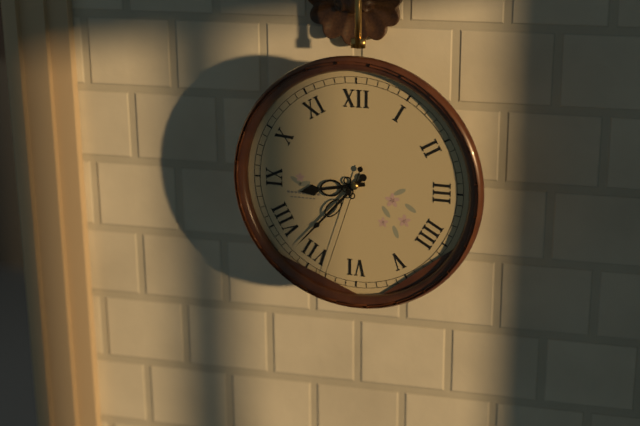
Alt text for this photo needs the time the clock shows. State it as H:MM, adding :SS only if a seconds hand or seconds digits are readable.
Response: 8:37:33
